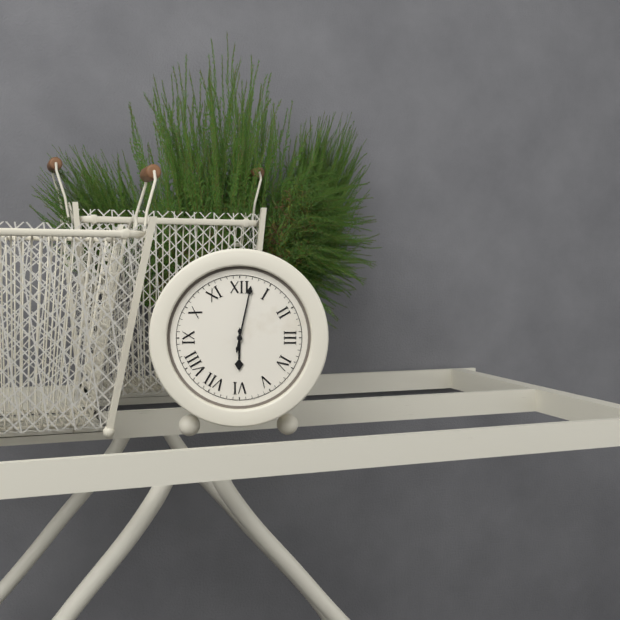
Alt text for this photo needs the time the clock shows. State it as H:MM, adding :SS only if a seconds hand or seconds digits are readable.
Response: 6:02
